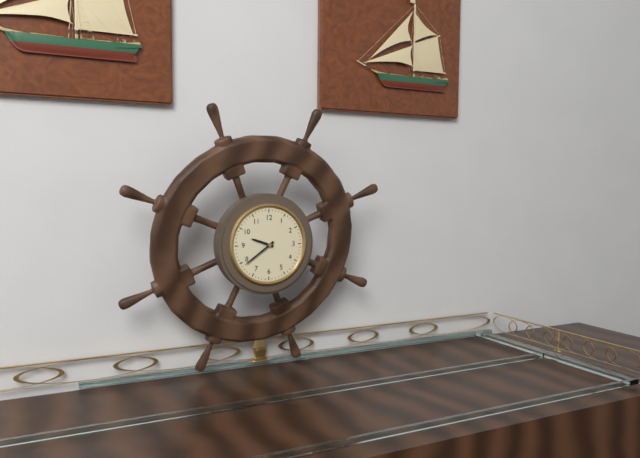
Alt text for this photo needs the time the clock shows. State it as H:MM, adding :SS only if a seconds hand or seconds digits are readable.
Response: 9:39
